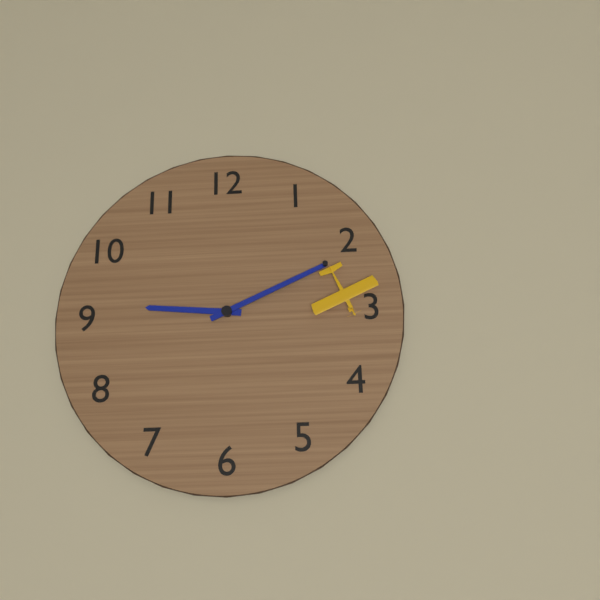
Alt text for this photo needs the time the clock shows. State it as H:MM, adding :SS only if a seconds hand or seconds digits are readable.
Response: 9:11
